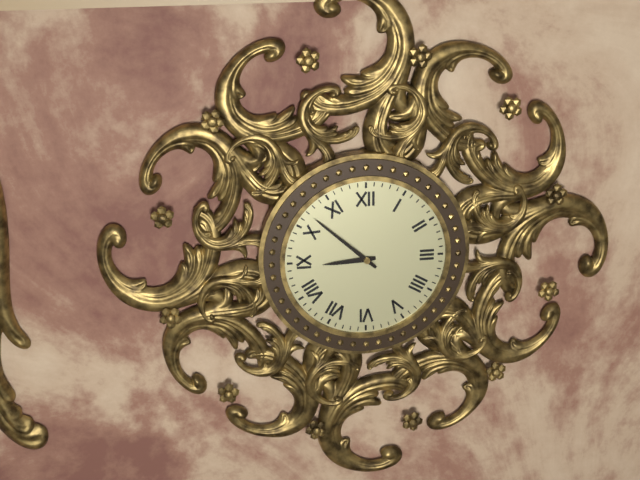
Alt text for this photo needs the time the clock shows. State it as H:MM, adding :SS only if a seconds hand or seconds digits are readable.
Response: 8:52
